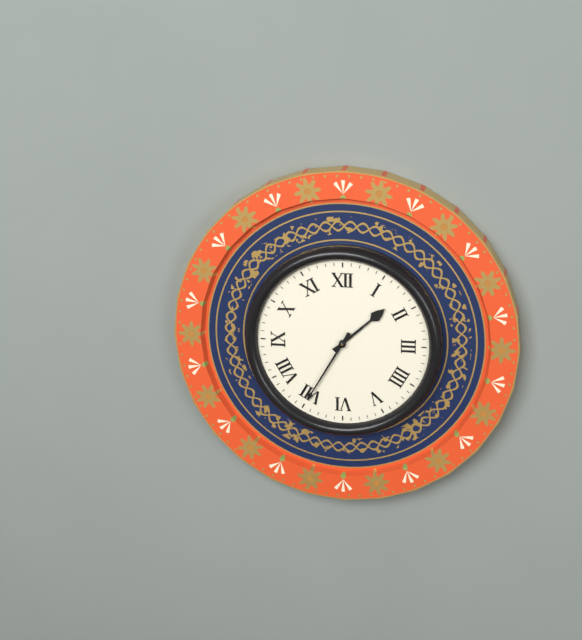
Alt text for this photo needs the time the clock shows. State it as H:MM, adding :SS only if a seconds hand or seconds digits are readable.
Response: 1:35
